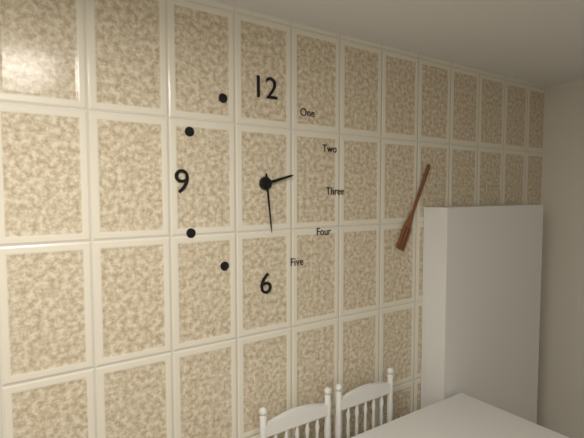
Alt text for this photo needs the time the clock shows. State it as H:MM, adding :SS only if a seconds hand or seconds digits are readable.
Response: 2:29
